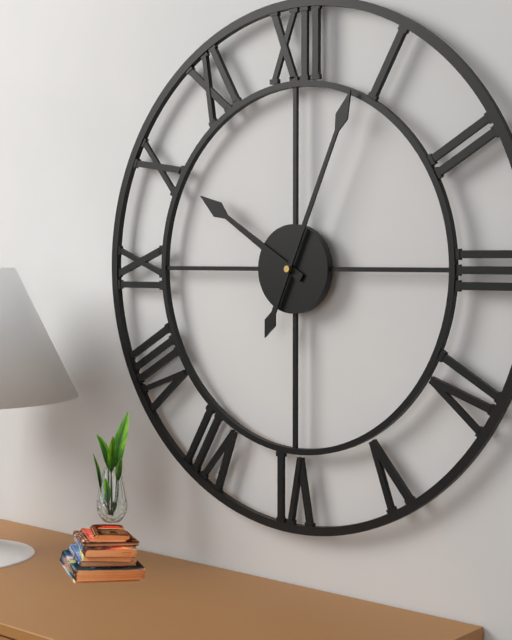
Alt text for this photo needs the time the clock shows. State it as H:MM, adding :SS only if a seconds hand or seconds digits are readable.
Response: 10:04
